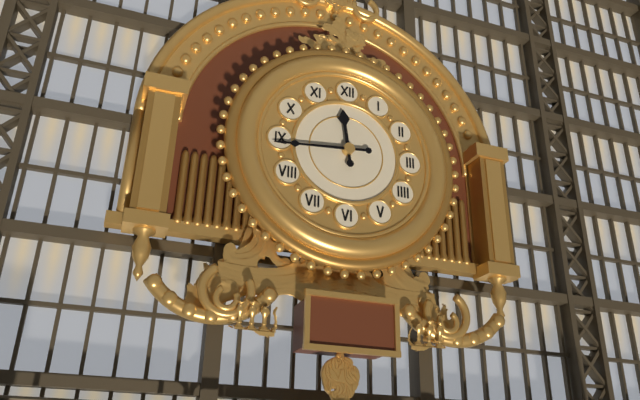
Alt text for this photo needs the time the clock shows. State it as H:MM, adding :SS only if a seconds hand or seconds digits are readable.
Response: 11:44
